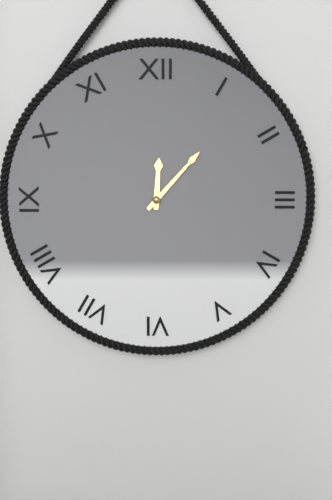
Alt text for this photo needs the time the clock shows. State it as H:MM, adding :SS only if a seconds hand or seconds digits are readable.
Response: 12:07
